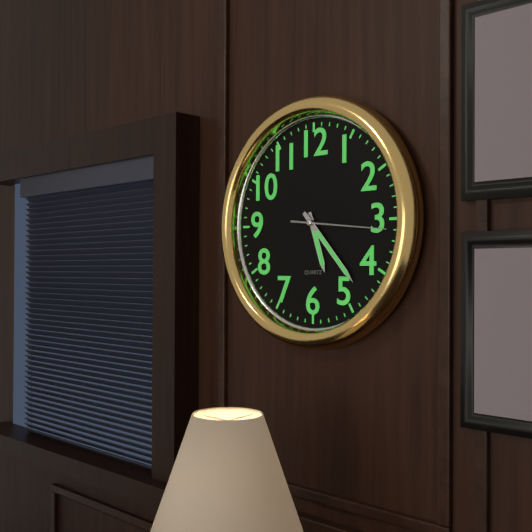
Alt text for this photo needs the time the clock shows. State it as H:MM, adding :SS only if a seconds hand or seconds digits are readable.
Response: 5:23:16
